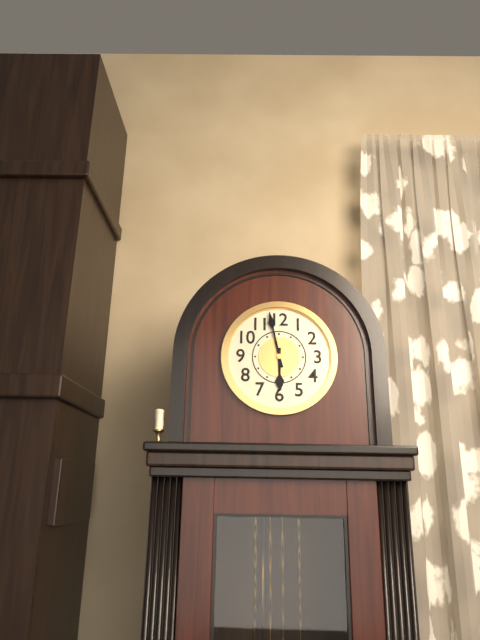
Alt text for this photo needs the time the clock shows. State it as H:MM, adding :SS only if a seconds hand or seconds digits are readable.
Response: 5:58
